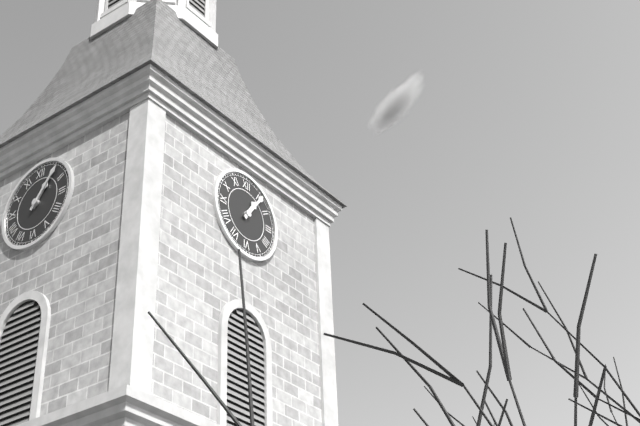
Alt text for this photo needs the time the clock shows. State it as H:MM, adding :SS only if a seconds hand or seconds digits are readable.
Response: 1:06
